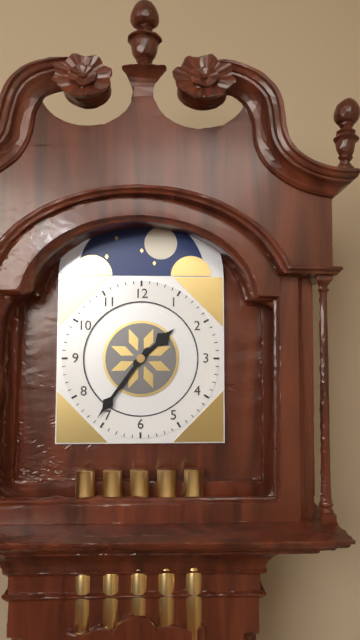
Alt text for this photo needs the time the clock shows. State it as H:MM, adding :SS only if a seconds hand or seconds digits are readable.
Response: 1:36
